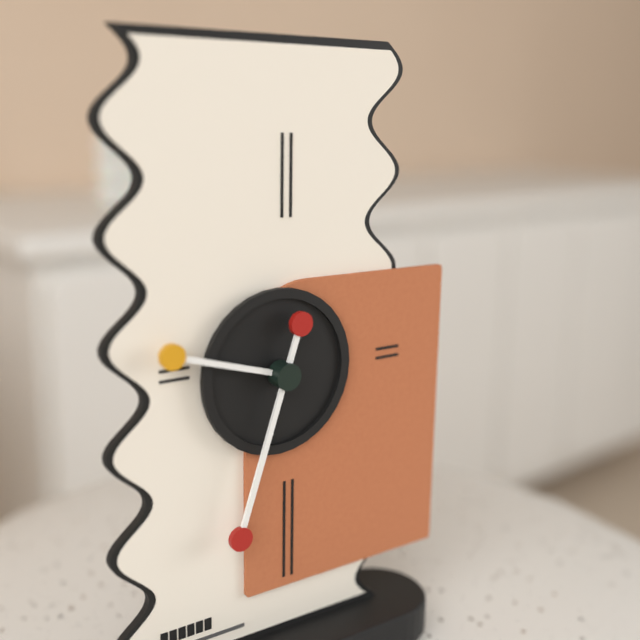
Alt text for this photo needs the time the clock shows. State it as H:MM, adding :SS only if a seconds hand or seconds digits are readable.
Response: 9:33
